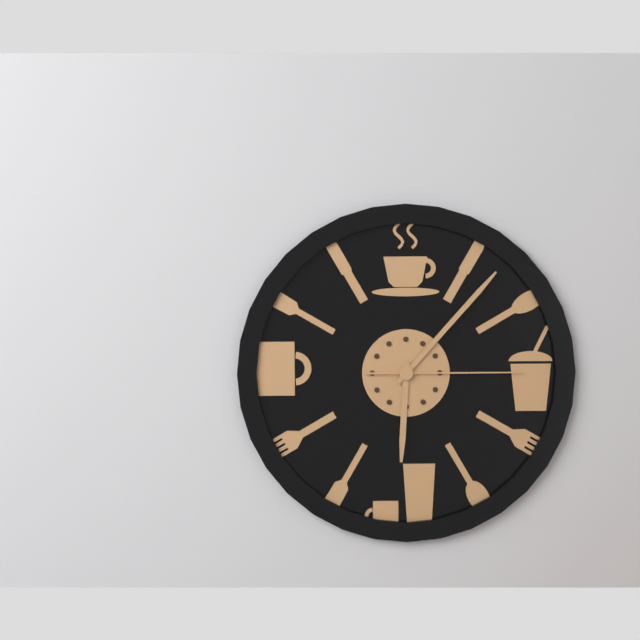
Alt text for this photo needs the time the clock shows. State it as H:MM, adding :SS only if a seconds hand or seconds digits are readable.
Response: 6:07:15
